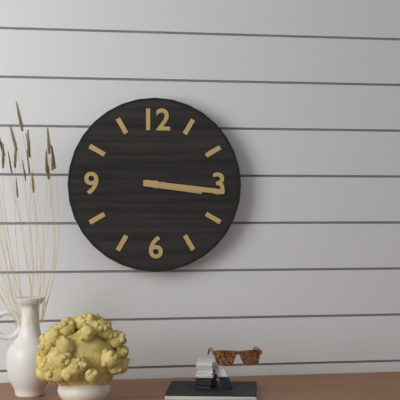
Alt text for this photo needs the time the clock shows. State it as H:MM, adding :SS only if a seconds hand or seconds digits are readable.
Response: 3:16
